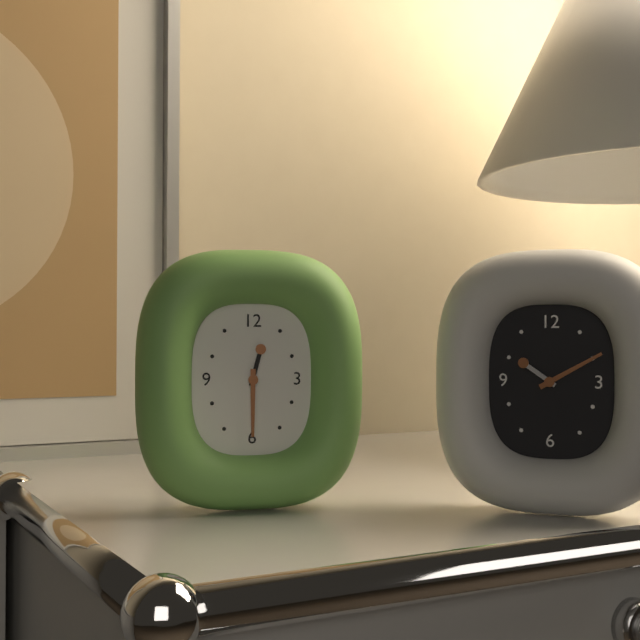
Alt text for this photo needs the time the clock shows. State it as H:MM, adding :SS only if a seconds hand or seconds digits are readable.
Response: 12:30
